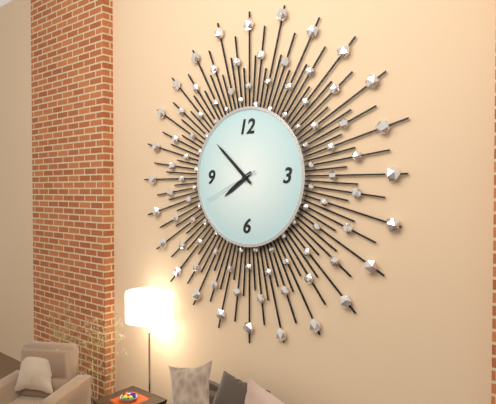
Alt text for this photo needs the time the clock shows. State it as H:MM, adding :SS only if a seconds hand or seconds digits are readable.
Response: 7:52:41
